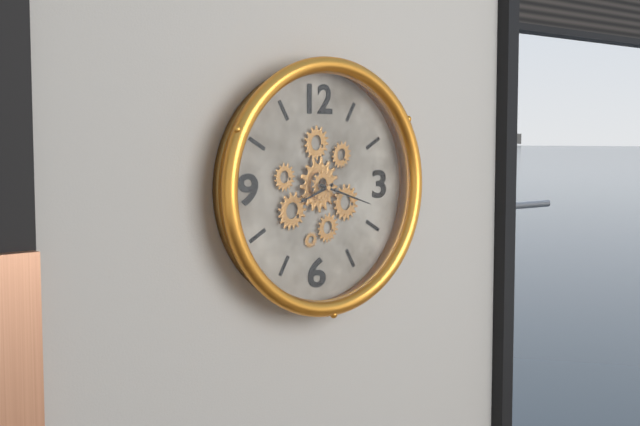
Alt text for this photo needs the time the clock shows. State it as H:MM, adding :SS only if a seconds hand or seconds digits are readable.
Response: 8:18
